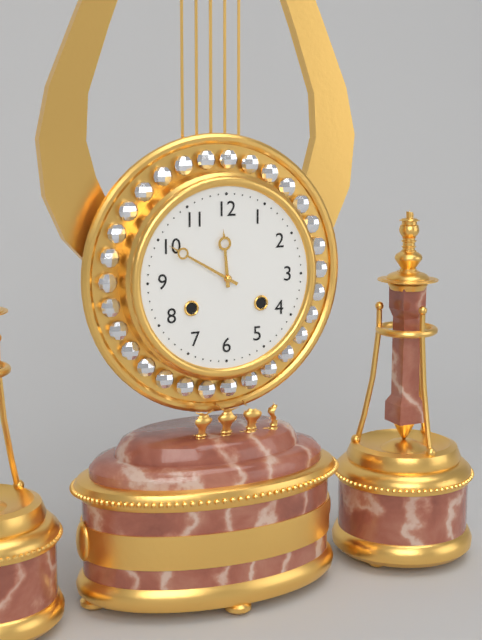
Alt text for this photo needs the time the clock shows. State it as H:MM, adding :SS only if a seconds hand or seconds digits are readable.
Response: 11:50
